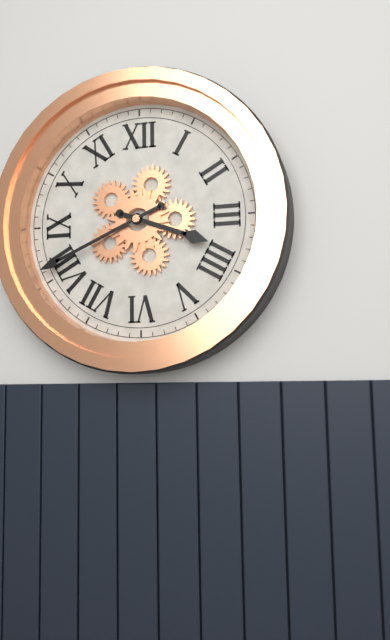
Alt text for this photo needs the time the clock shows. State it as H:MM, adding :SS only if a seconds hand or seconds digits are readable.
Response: 3:41
